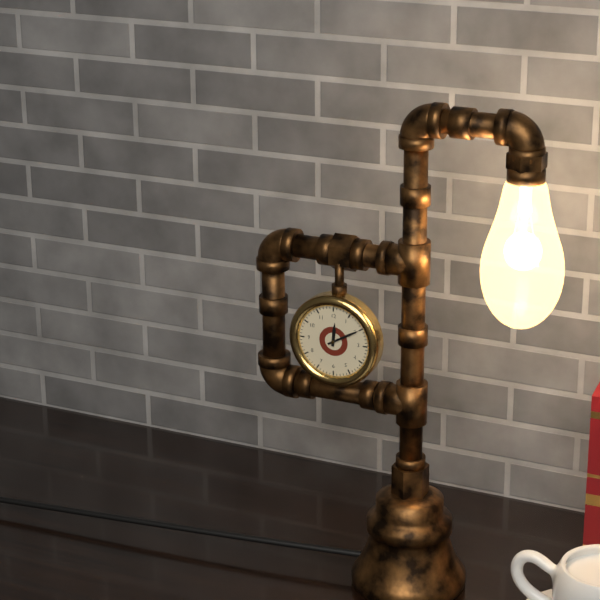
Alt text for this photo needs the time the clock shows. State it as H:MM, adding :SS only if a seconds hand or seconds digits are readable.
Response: 12:10
